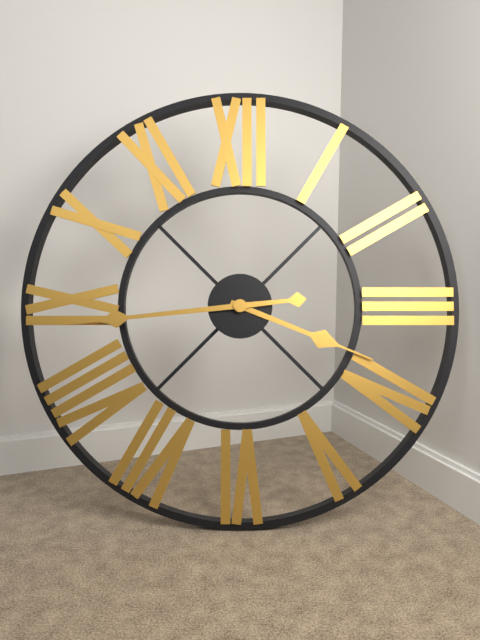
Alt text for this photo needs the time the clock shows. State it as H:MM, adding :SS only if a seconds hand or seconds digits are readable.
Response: 3:44
